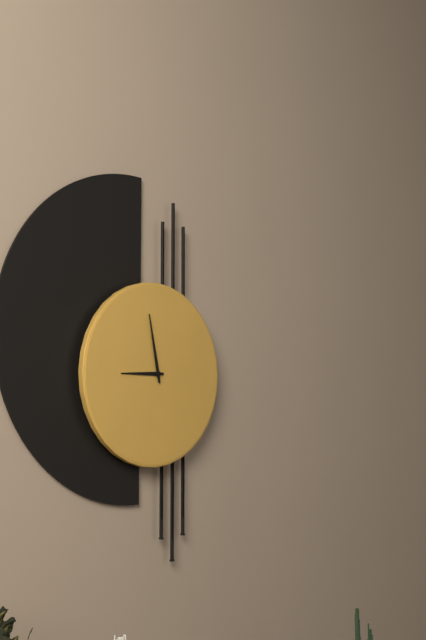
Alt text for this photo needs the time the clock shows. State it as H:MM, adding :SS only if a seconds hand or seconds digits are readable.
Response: 8:58
